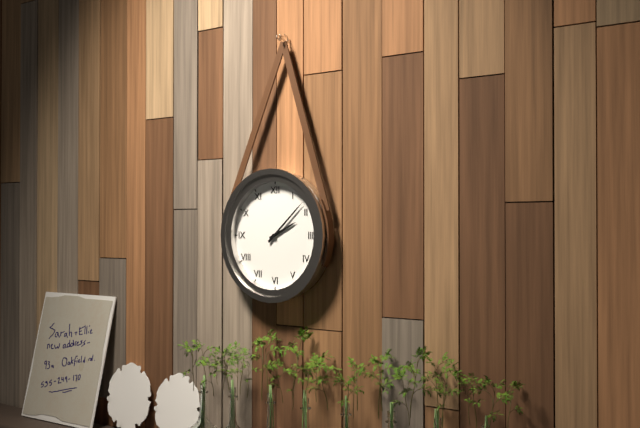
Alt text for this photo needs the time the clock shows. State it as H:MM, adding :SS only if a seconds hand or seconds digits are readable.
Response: 2:08
